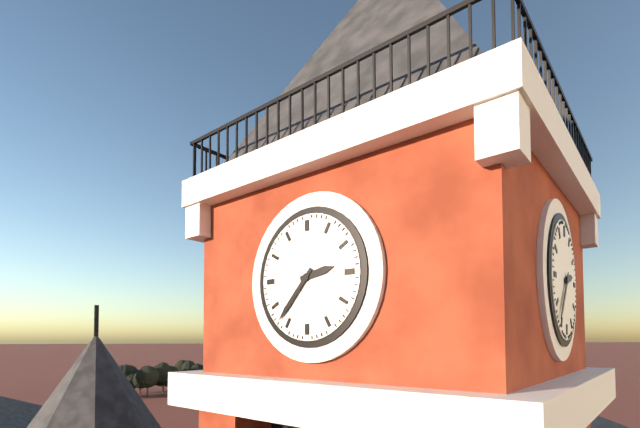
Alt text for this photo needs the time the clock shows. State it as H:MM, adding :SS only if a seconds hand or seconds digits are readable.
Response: 2:37
